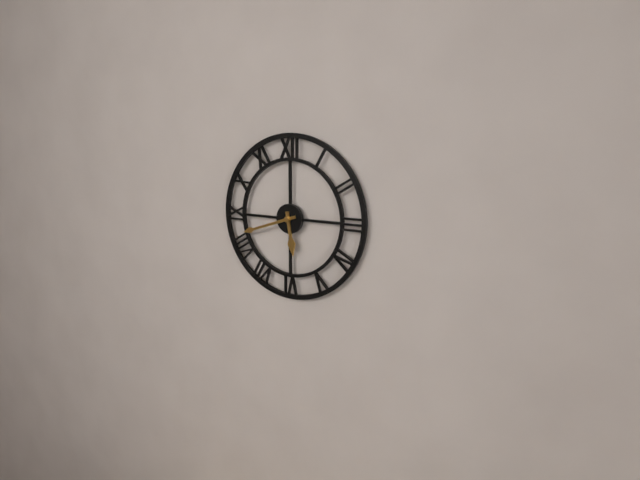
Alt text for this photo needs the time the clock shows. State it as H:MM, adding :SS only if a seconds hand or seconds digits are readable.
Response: 5:42
